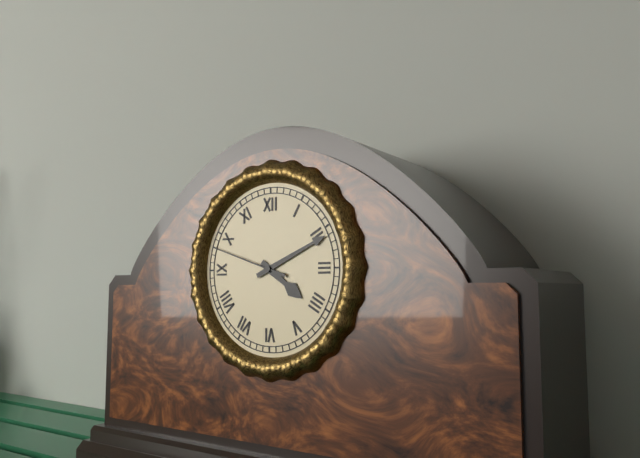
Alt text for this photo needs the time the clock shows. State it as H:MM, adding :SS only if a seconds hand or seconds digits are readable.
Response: 4:11:48
